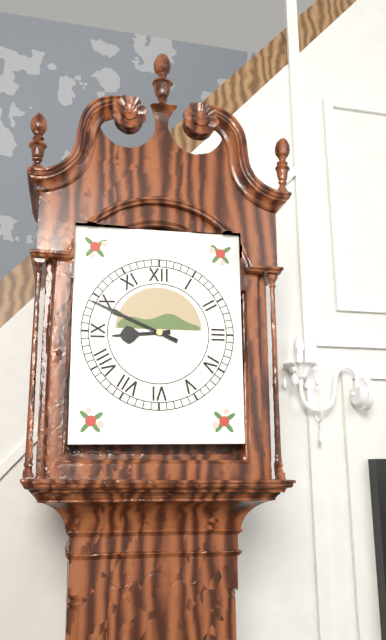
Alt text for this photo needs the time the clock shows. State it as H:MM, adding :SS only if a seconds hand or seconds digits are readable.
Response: 8:49
